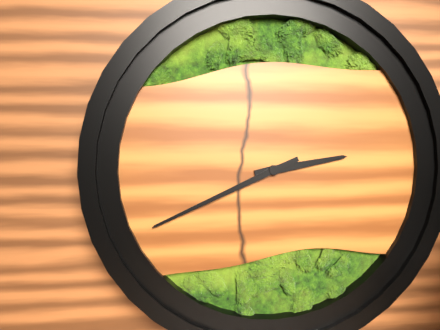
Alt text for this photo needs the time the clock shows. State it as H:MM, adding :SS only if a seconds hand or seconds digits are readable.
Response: 2:41
